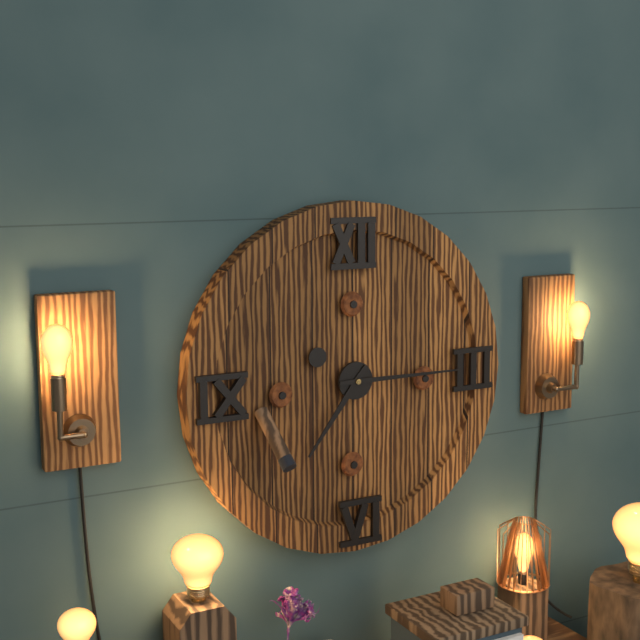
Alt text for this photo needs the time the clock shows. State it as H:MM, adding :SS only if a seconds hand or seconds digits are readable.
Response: 7:15
